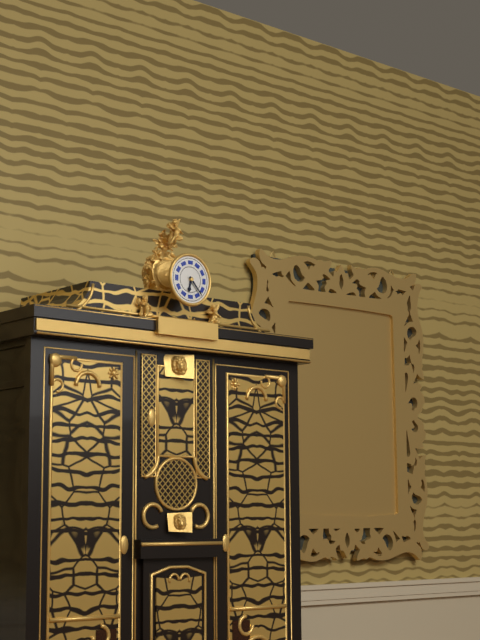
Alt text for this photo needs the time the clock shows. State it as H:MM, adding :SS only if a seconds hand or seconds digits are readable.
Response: 6:23
